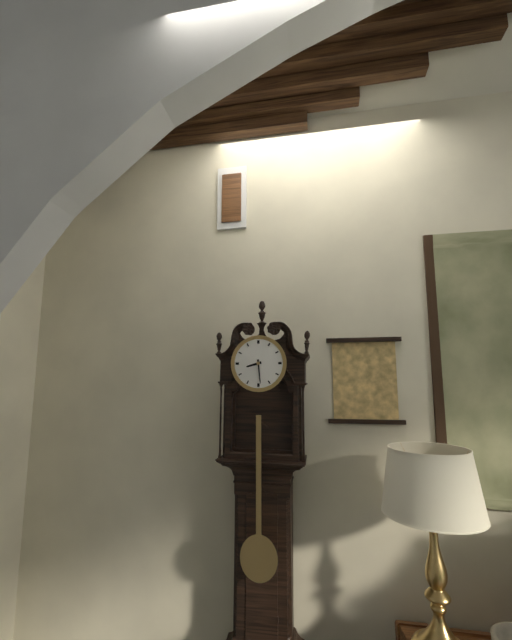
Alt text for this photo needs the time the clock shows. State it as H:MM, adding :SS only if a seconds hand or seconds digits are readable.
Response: 8:29
